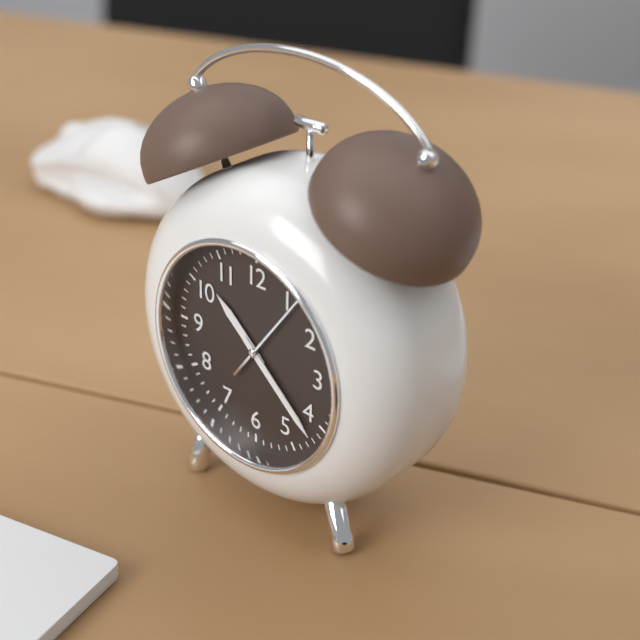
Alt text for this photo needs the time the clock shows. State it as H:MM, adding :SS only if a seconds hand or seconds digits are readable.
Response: 10:22:06
